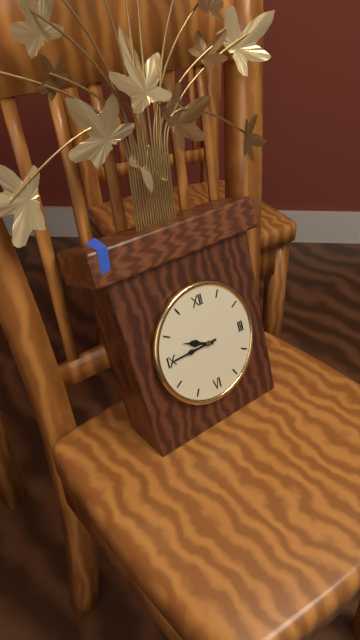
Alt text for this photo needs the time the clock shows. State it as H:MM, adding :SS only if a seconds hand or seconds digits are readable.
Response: 9:45
